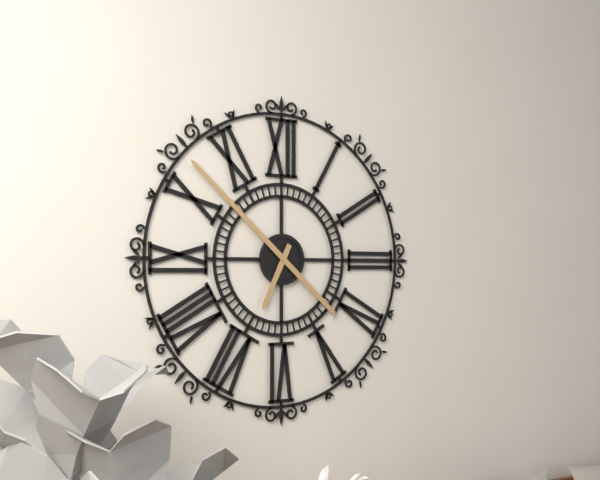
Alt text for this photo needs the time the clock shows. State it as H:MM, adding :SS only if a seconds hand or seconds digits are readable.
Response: 6:52
